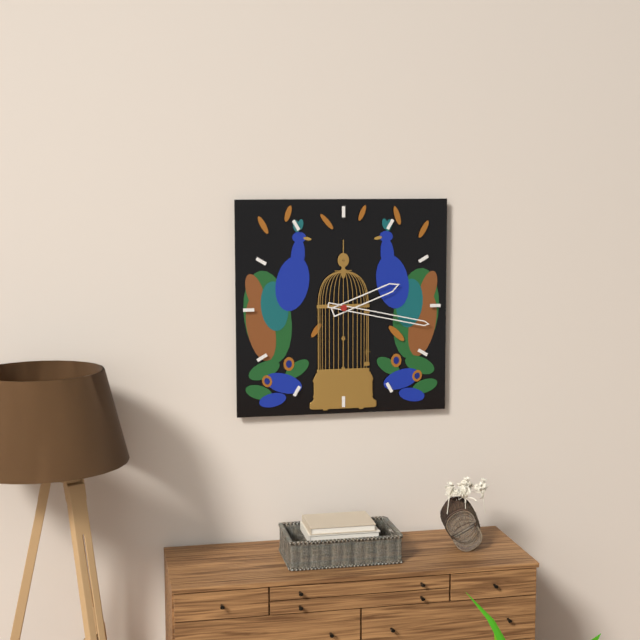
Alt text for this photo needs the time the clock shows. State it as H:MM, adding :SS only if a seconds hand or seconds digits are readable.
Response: 2:17
